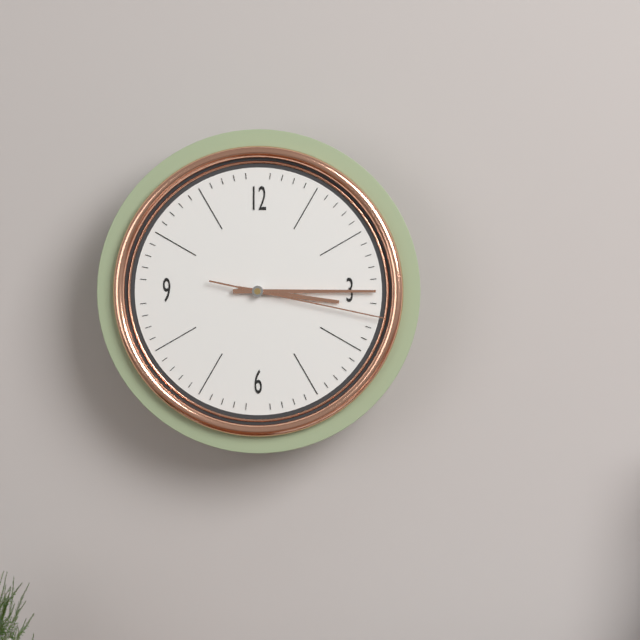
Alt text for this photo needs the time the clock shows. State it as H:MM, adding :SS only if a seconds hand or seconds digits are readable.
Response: 3:15:17
